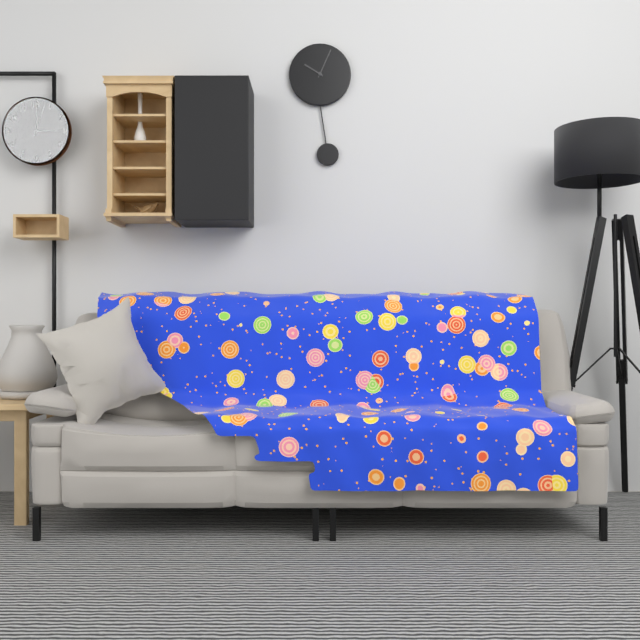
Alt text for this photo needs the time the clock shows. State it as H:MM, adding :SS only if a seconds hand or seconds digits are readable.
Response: 10:04
